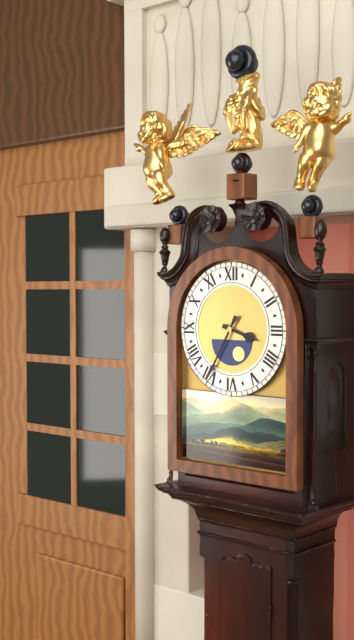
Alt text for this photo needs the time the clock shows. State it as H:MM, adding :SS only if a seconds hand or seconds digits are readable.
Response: 3:35
